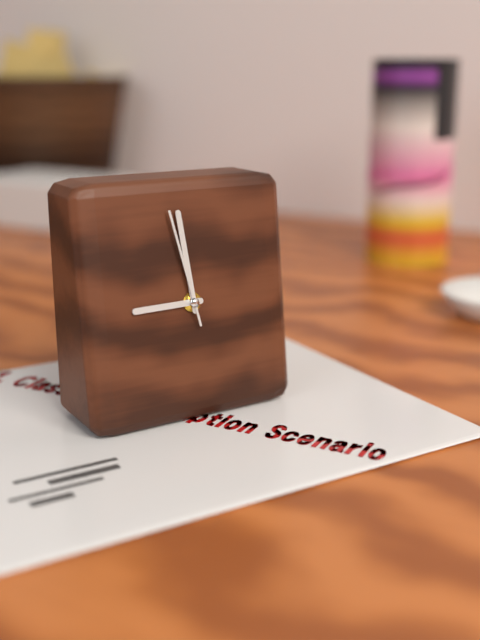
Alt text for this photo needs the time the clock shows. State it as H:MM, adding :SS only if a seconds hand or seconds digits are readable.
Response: 8:59:58
